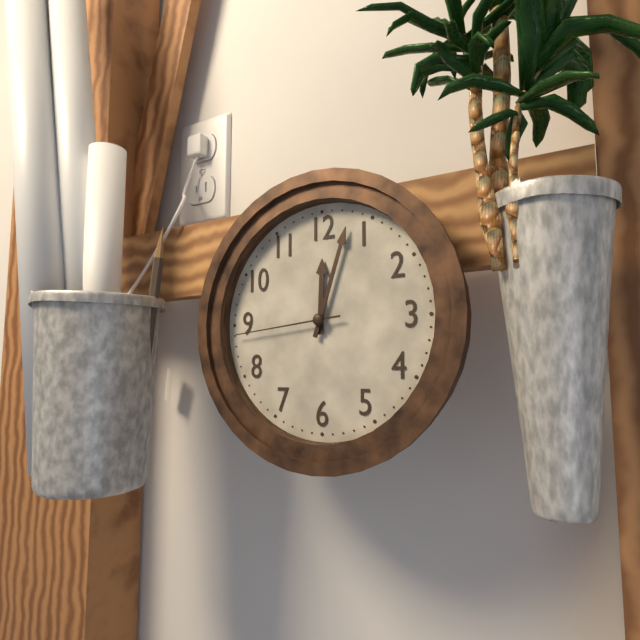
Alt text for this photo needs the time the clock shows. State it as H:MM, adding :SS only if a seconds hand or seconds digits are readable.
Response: 12:03:44
